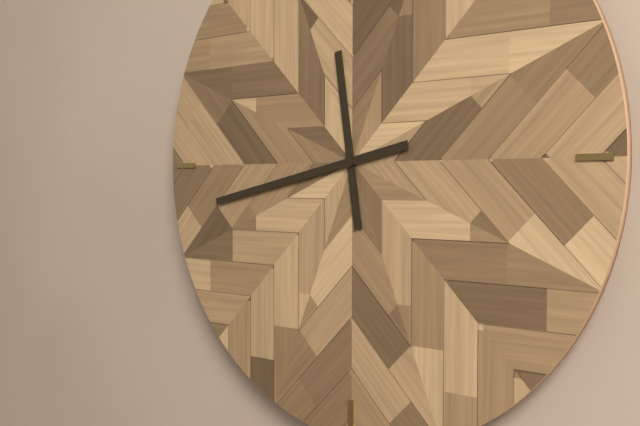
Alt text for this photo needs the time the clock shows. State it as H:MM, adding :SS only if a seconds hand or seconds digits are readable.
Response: 11:43
